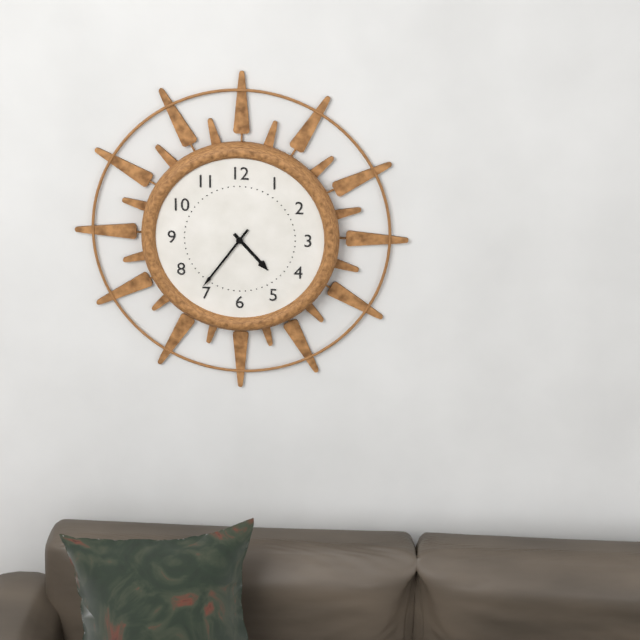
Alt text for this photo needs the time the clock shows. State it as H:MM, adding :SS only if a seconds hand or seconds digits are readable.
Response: 4:36
